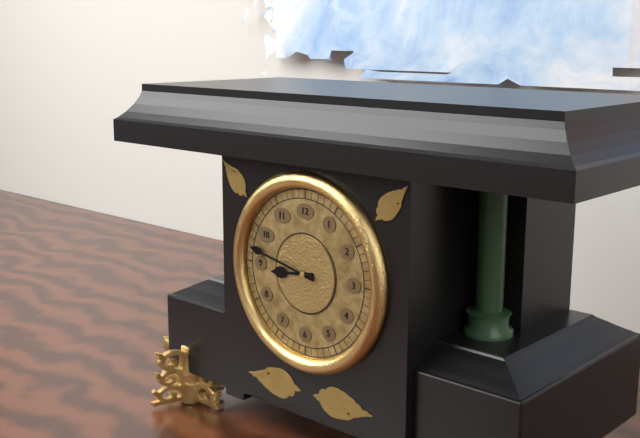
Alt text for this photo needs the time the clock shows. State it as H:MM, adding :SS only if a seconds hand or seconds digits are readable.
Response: 8:47
